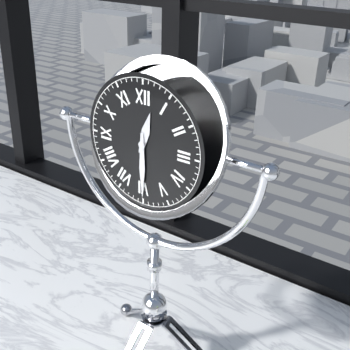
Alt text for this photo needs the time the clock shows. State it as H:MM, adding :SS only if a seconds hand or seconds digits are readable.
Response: 12:30
